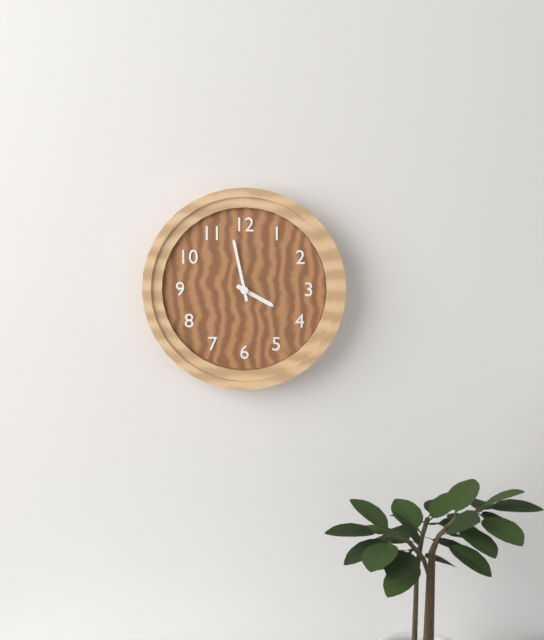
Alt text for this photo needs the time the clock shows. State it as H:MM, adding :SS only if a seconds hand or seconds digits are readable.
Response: 3:58
